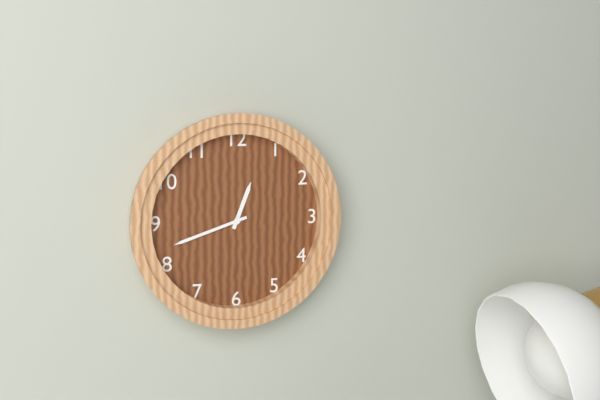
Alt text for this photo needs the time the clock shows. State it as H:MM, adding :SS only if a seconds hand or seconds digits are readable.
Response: 12:42
